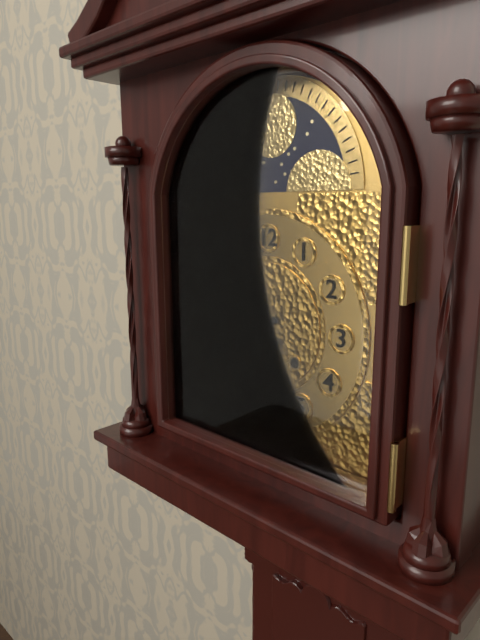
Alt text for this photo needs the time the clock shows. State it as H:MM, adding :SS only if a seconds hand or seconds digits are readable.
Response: 7:54
